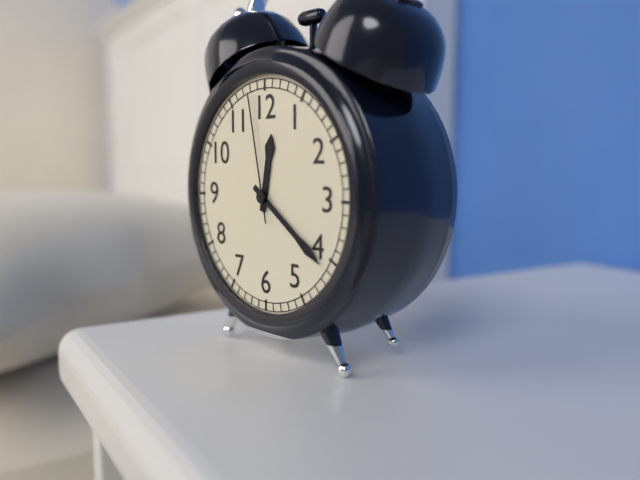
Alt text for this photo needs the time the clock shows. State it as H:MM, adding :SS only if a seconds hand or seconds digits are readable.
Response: 12:21:58
